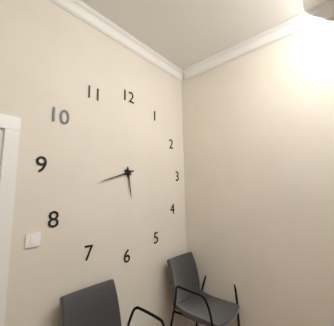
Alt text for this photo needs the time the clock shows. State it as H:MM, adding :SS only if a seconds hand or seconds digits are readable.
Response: 5:42
